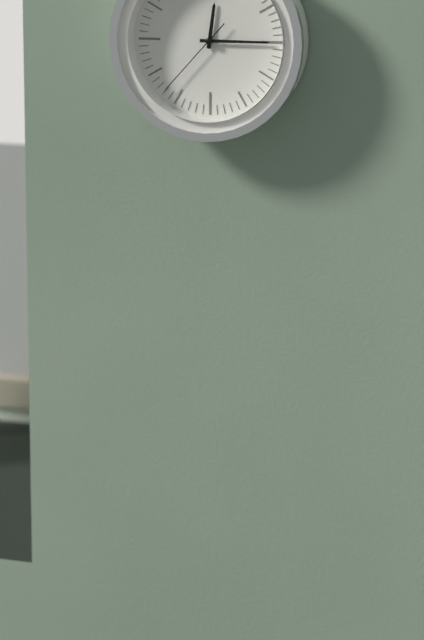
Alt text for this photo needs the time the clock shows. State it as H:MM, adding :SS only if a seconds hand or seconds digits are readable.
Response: 12:15:37
